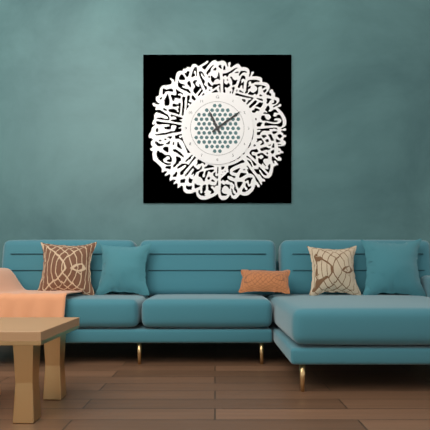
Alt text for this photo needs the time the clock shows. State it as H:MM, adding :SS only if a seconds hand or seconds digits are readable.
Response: 11:09
